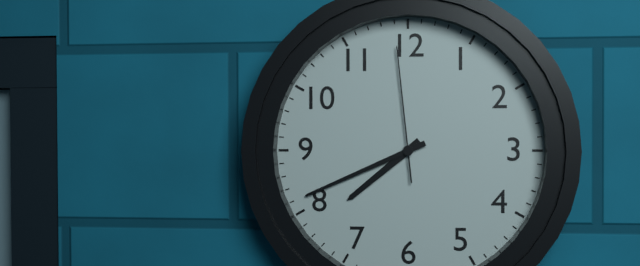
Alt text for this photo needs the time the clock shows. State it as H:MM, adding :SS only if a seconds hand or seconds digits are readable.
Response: 7:41:59
